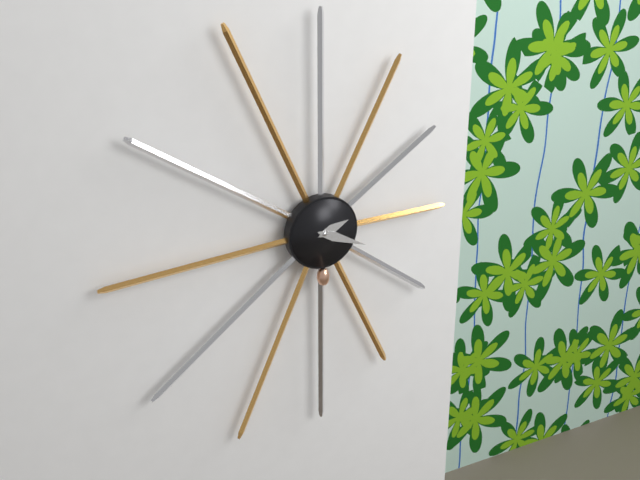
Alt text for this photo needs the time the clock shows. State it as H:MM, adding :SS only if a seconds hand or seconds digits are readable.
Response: 2:19
